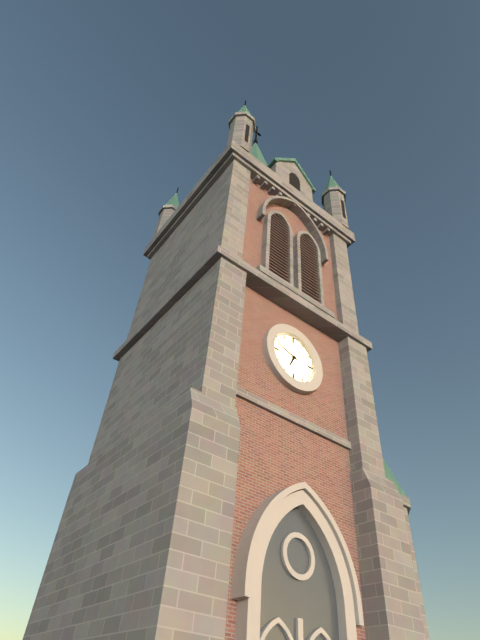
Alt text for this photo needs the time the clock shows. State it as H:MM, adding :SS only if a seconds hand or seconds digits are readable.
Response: 6:48
